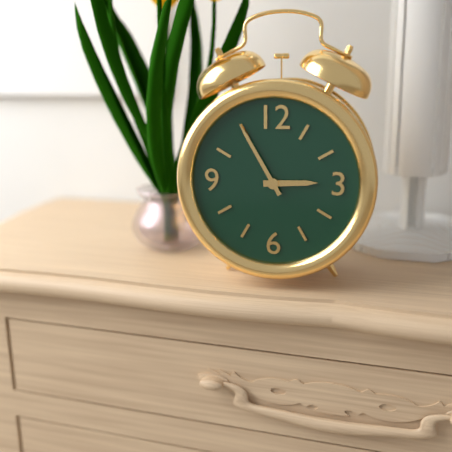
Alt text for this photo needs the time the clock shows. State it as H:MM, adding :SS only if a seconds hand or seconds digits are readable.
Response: 2:55
